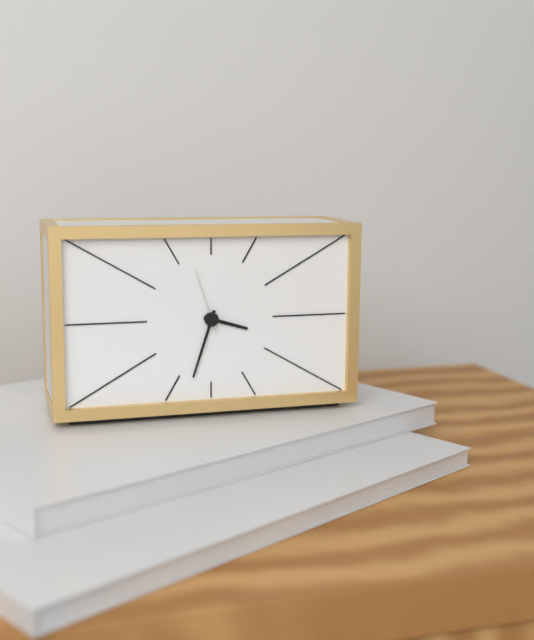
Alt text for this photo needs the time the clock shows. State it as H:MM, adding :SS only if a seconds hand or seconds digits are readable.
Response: 3:33:57
